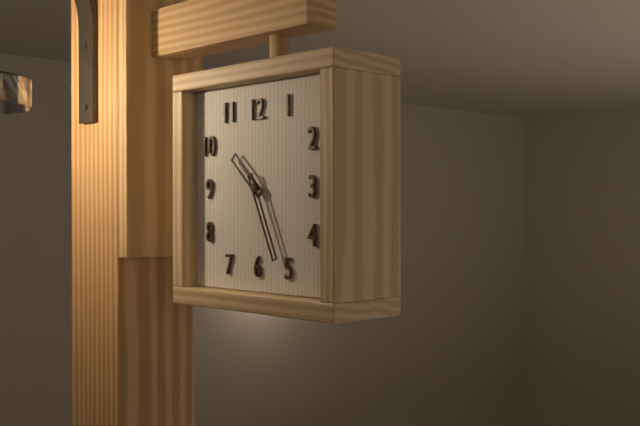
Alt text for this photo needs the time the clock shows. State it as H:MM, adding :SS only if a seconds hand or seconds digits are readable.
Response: 10:26
